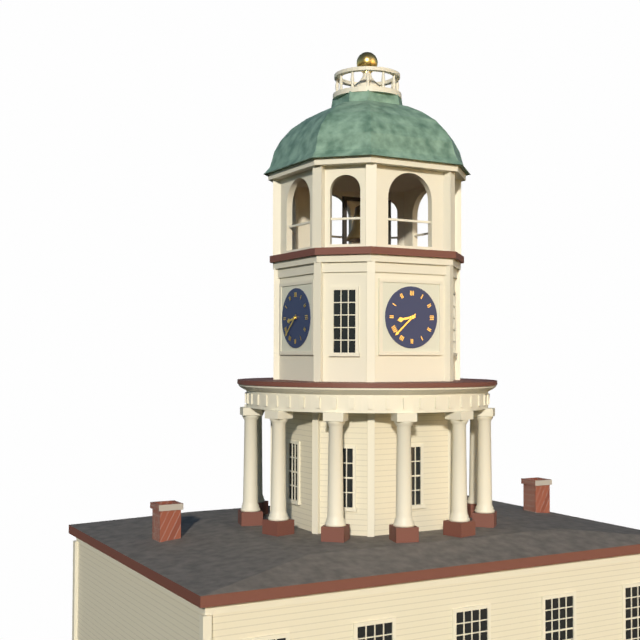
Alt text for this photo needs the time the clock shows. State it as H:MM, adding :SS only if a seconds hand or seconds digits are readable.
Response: 8:38
